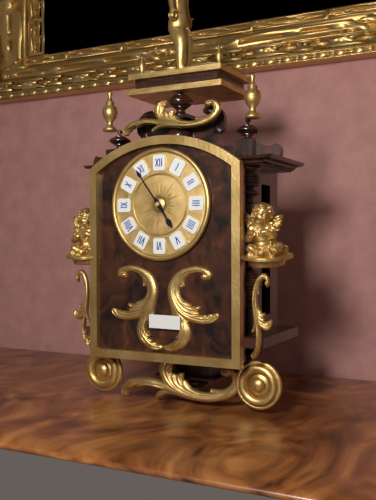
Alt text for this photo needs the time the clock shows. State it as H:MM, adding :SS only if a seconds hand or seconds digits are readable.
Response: 4:54
